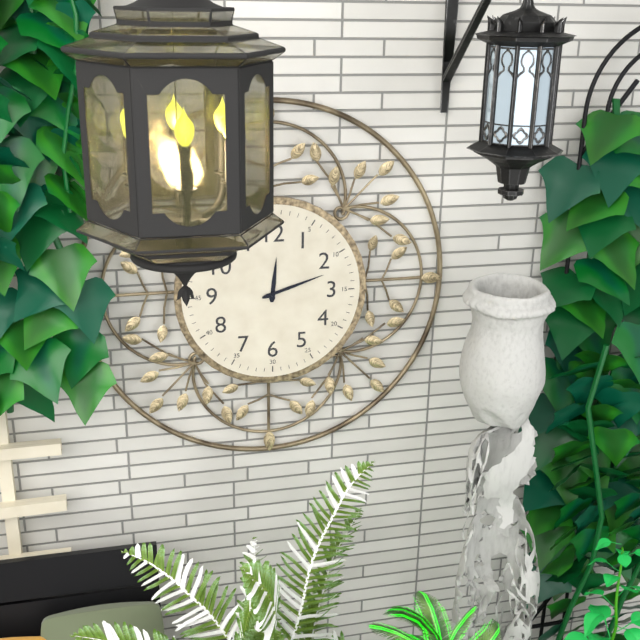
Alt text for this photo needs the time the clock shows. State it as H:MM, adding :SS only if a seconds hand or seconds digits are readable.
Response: 12:12
